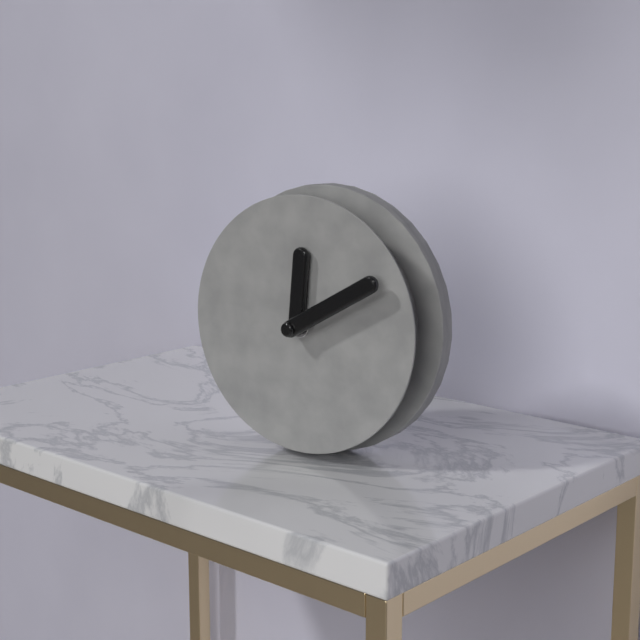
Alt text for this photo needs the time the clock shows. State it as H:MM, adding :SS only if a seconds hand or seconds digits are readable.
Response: 12:10
